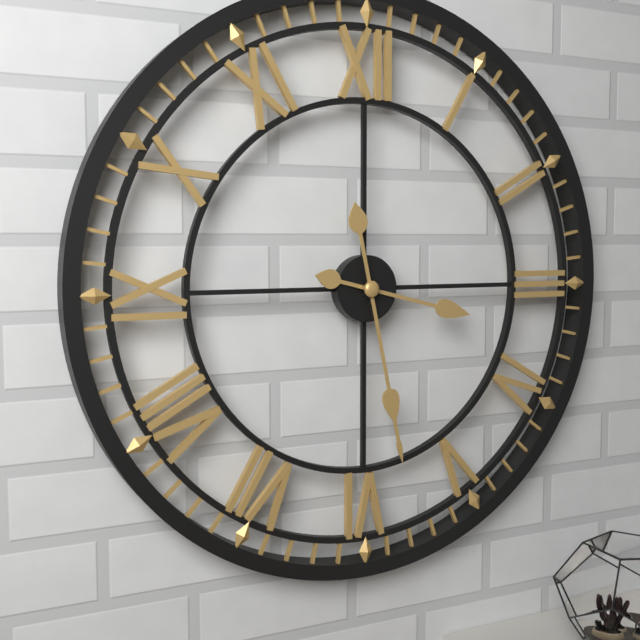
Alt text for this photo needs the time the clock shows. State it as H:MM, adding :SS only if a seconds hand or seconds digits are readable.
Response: 3:28
